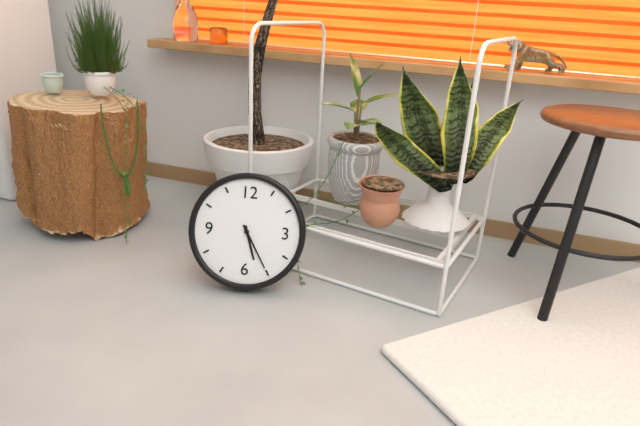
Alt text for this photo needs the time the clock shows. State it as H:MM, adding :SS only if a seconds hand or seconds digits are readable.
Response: 5:25
